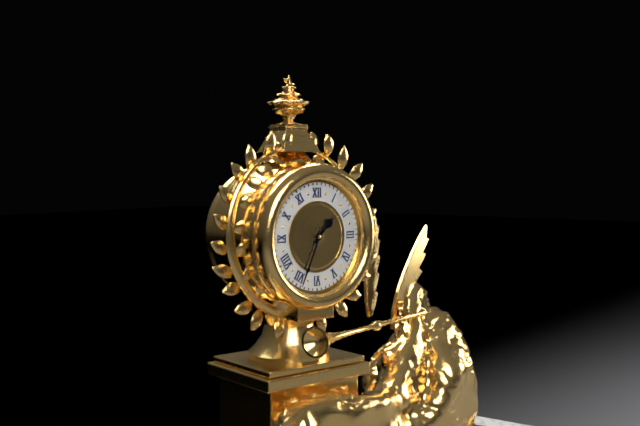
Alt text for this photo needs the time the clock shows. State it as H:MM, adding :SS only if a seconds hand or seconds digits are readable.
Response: 1:34
